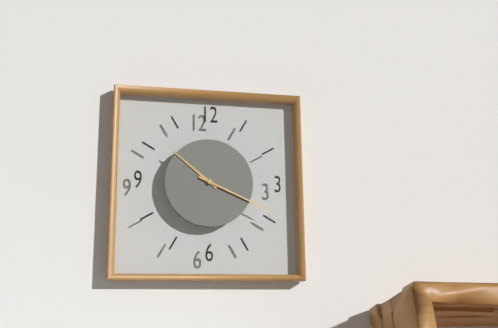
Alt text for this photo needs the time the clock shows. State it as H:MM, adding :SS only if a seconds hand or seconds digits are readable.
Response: 10:19
